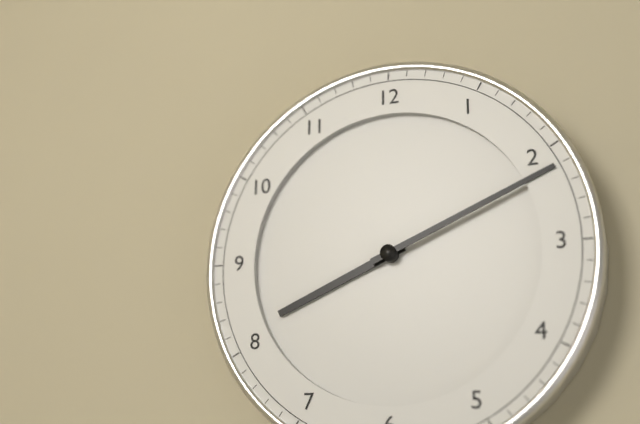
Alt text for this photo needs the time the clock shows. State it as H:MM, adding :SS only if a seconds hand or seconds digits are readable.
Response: 8:11
